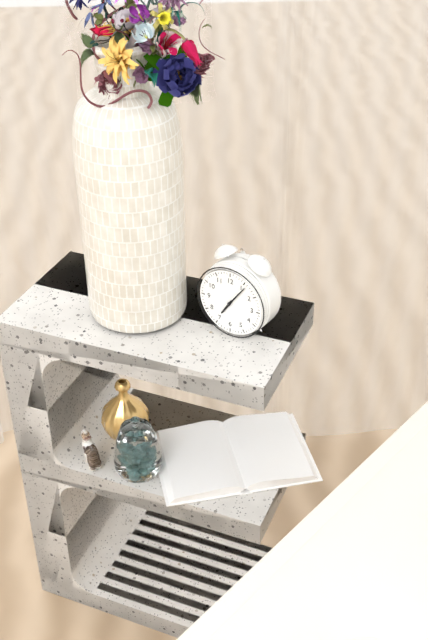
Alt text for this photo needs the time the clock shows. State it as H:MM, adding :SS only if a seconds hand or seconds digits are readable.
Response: 7:06
